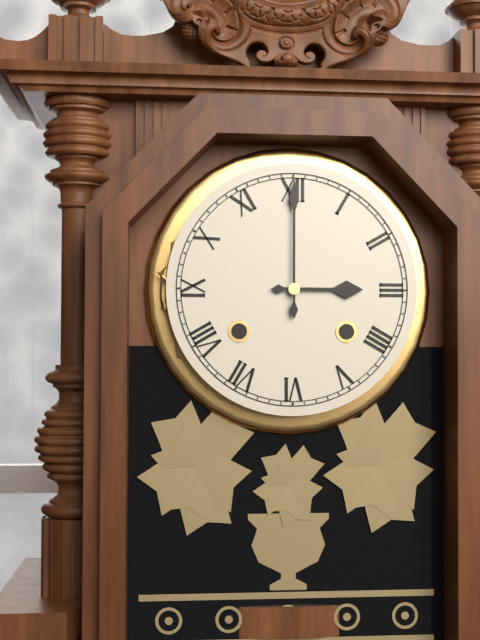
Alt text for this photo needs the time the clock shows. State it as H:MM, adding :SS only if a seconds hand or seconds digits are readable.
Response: 3:00
